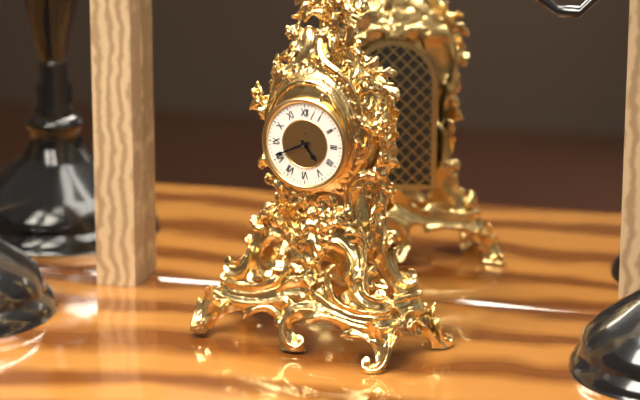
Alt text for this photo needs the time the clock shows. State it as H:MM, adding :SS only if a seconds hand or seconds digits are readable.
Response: 4:41
